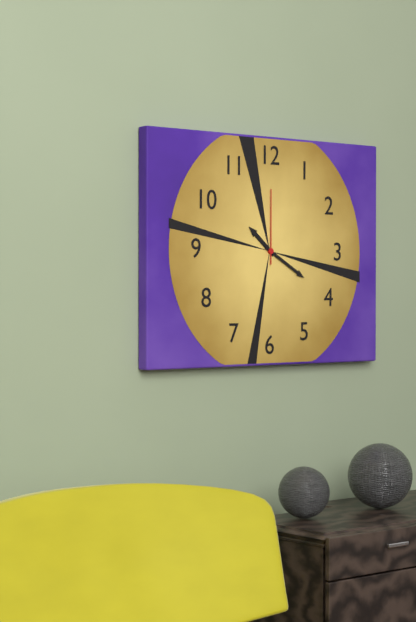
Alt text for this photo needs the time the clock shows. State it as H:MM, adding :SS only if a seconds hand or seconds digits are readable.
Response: 10:20:00
